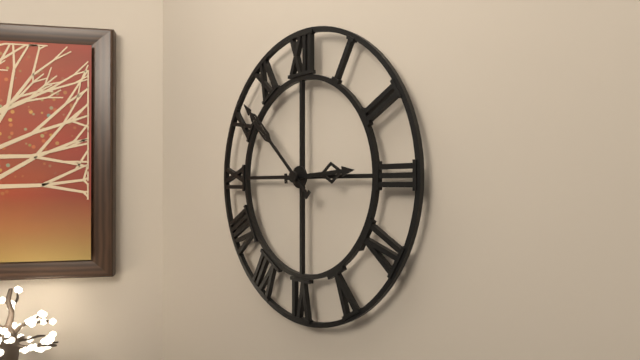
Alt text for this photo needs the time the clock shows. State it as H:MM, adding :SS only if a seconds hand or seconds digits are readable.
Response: 2:52
